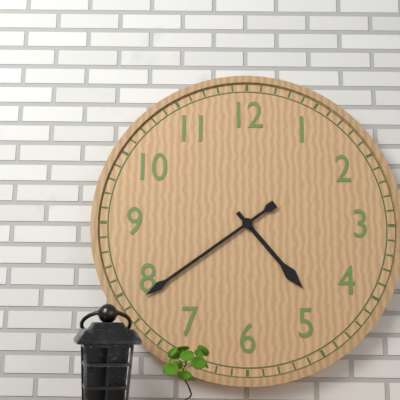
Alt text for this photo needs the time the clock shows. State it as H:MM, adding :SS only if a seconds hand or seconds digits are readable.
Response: 4:39
